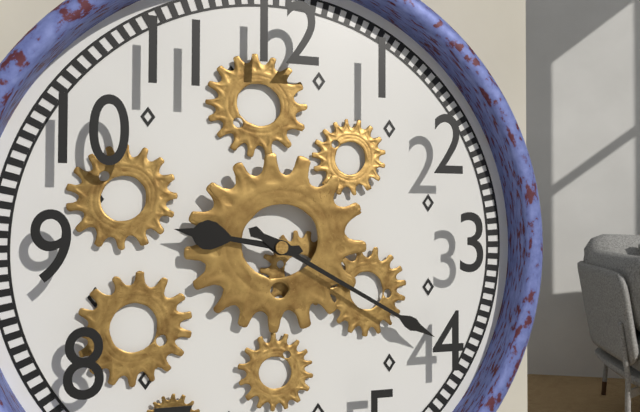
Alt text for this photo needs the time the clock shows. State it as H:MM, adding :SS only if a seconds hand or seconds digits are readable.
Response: 9:20
